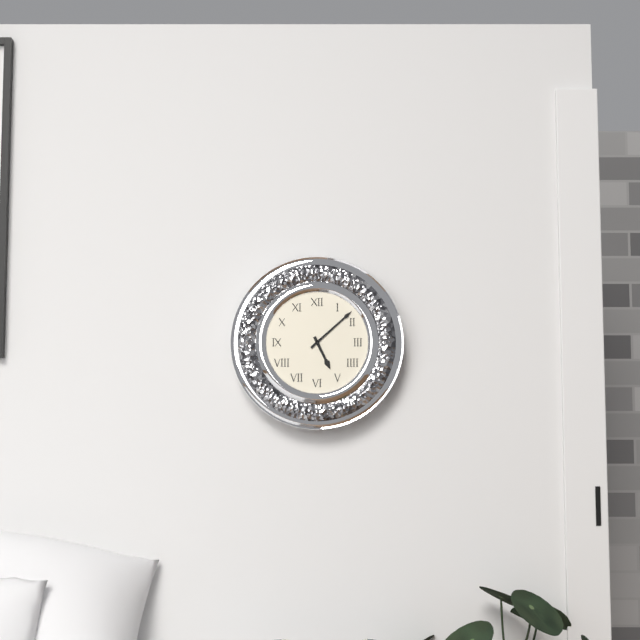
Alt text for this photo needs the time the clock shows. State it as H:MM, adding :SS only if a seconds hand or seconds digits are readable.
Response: 5:08
